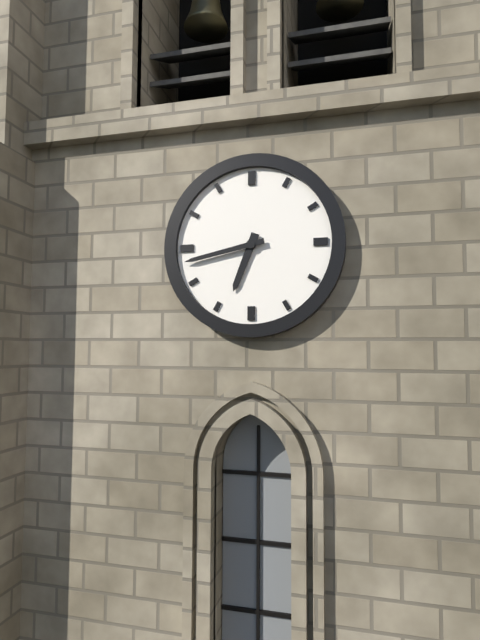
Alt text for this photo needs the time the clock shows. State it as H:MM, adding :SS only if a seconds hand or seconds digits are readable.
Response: 6:43
